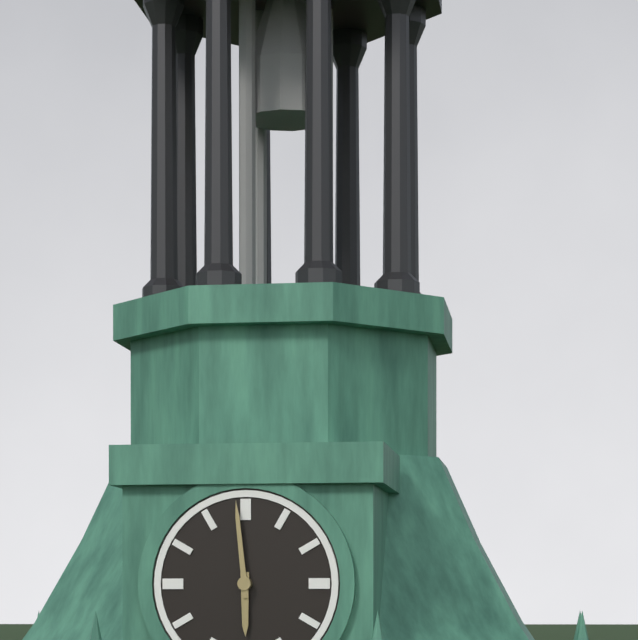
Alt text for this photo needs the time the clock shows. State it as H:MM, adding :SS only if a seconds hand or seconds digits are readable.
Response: 5:59
